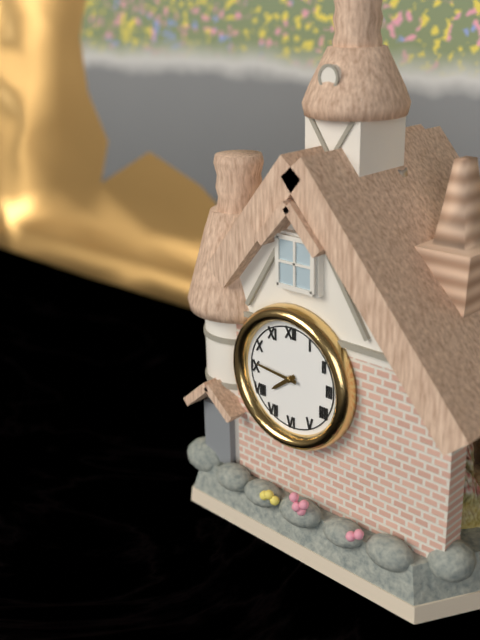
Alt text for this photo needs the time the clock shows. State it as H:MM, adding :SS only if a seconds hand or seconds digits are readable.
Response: 7:46
